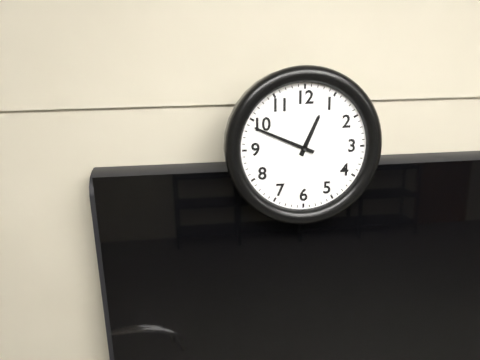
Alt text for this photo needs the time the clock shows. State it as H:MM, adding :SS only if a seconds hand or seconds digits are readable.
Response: 12:49
